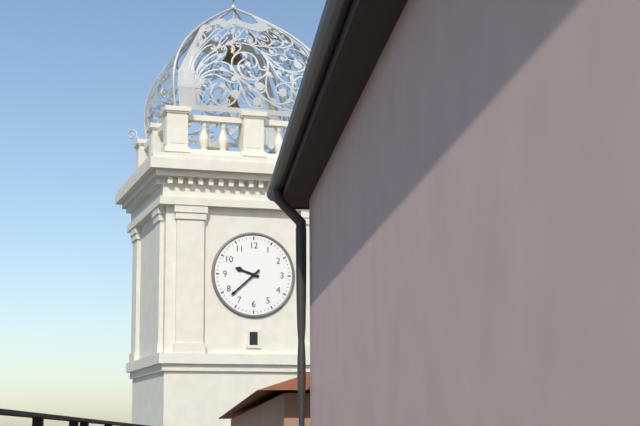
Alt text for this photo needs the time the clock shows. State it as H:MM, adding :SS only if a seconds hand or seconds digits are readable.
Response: 9:38
